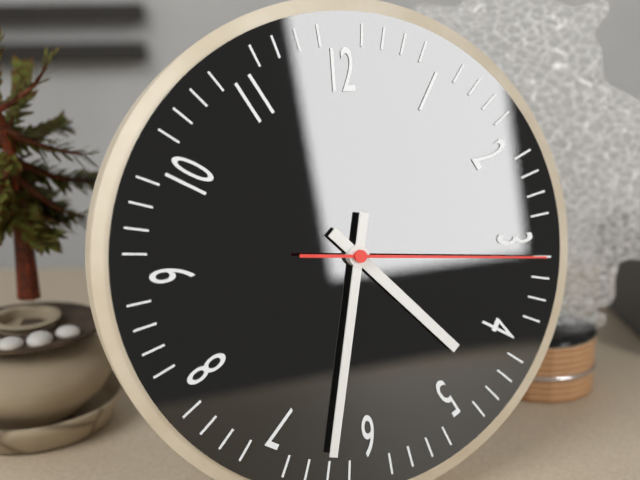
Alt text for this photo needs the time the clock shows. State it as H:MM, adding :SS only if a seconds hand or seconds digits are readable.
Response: 4:32:16
